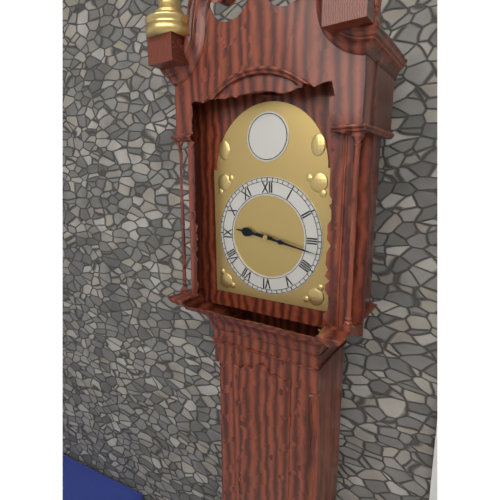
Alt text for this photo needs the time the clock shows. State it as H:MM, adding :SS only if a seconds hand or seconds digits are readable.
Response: 9:17
